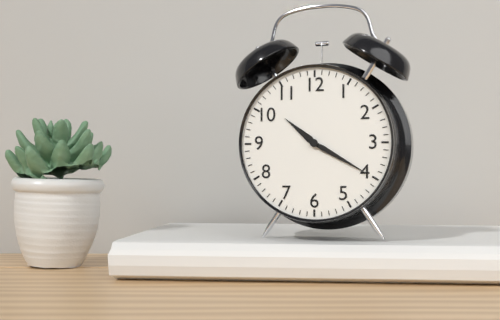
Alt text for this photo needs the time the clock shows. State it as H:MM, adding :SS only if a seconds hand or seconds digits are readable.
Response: 10:20
